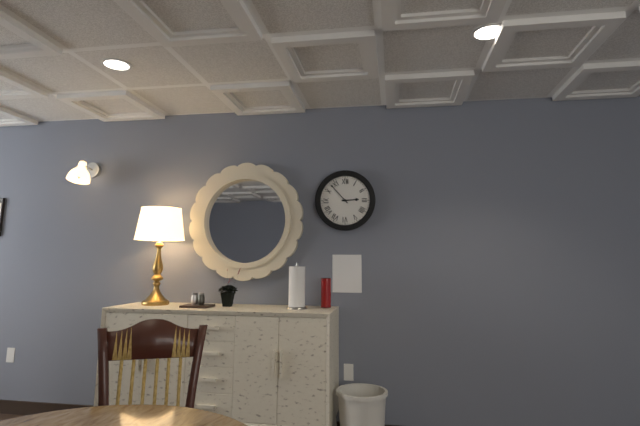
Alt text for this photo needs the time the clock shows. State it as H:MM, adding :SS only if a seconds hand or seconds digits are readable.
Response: 2:53
